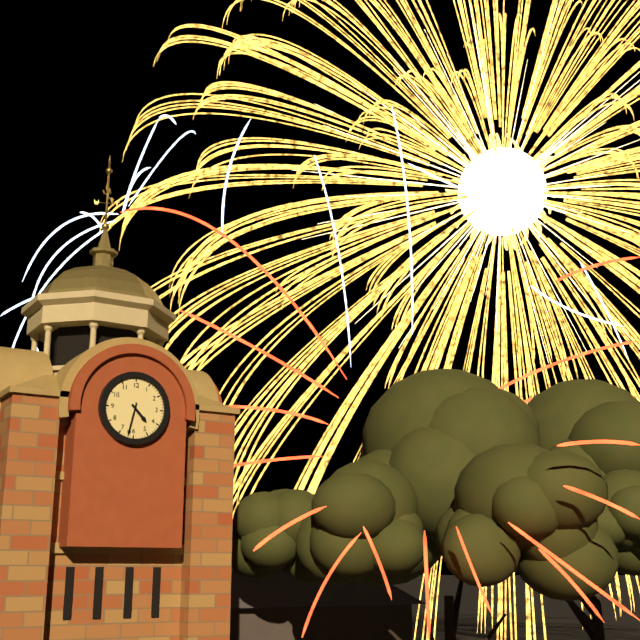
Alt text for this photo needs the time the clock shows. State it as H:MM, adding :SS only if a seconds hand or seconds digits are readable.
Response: 4:32
